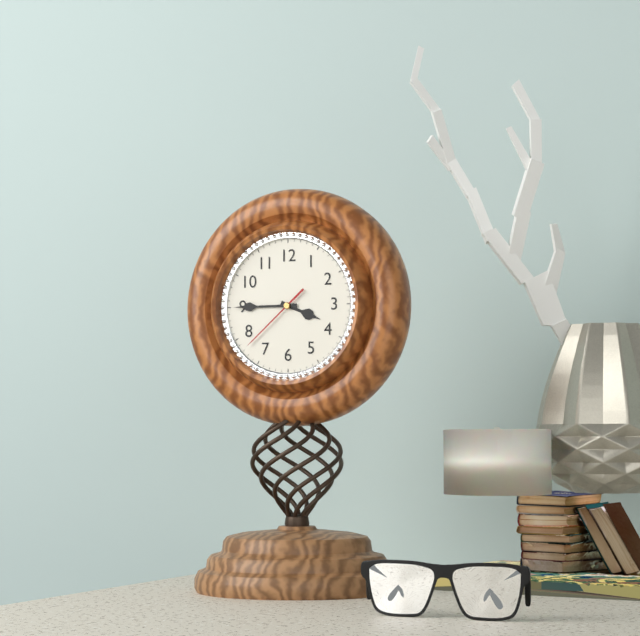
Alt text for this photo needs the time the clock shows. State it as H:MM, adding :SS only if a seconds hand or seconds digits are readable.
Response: 3:45:38
